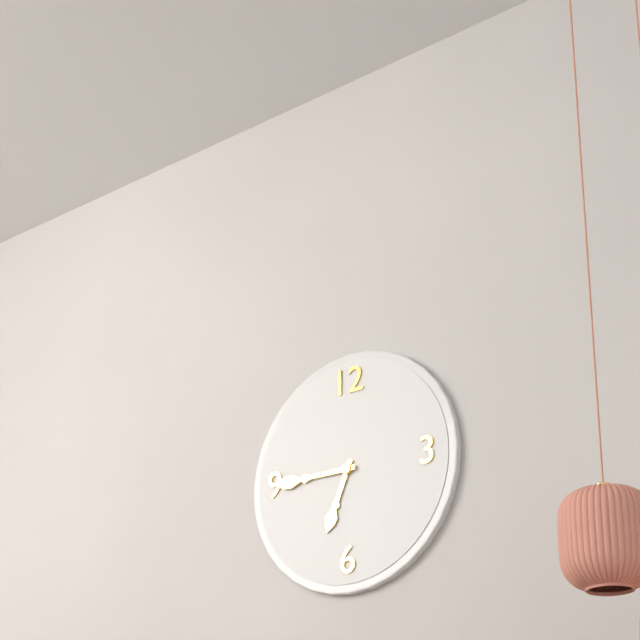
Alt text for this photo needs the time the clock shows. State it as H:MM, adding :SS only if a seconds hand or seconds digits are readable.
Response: 6:45
